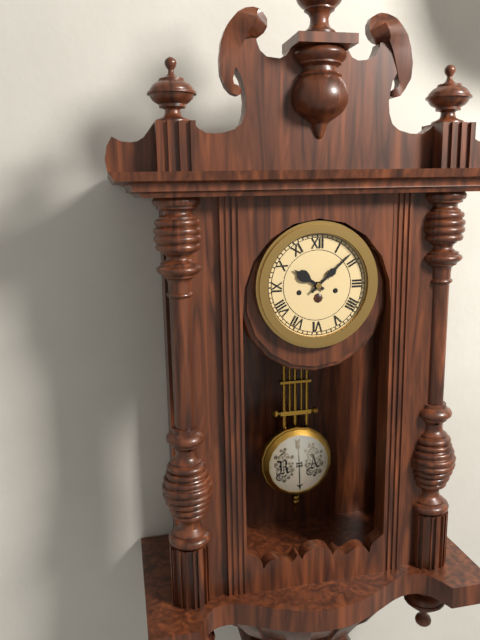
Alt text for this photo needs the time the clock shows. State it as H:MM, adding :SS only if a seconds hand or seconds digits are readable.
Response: 10:08
